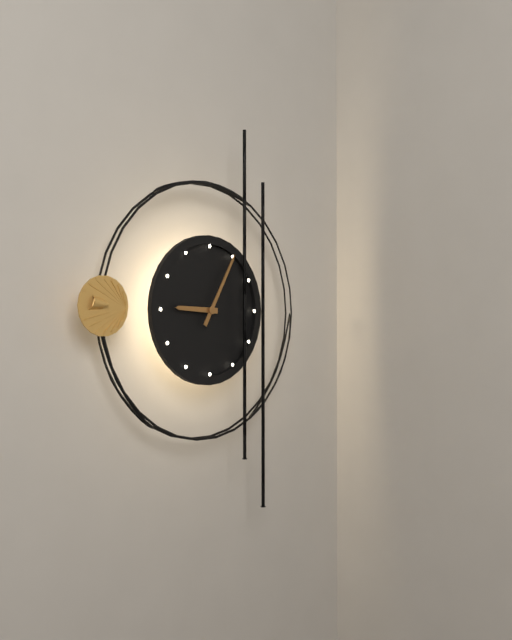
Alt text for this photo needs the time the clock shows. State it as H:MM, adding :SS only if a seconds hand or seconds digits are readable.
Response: 9:05
